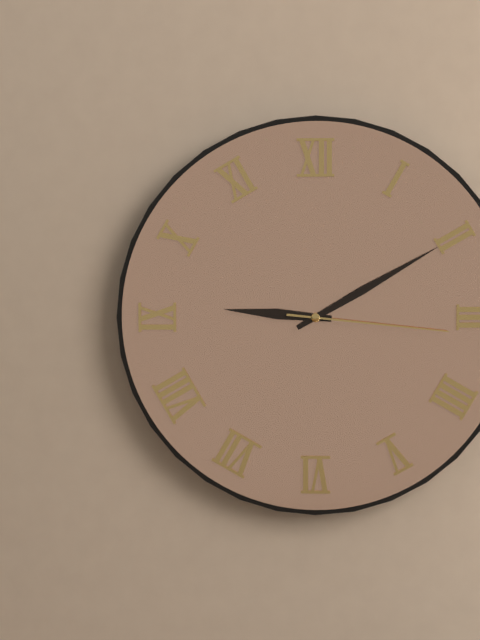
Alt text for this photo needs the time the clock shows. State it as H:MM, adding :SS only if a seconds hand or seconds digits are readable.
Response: 9:10:16
